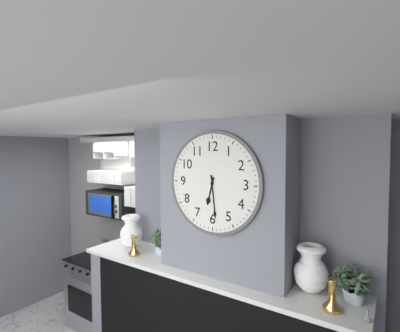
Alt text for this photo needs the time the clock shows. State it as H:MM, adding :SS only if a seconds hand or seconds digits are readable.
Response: 6:29
